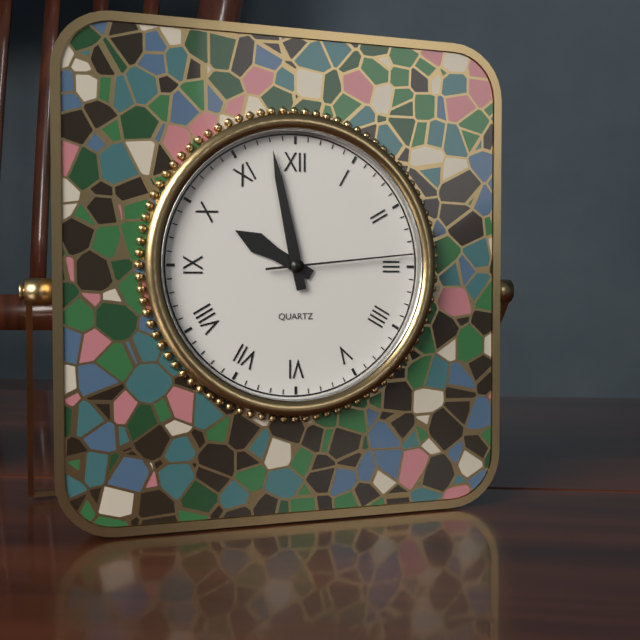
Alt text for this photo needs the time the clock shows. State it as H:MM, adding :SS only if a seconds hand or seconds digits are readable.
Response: 9:58:14
